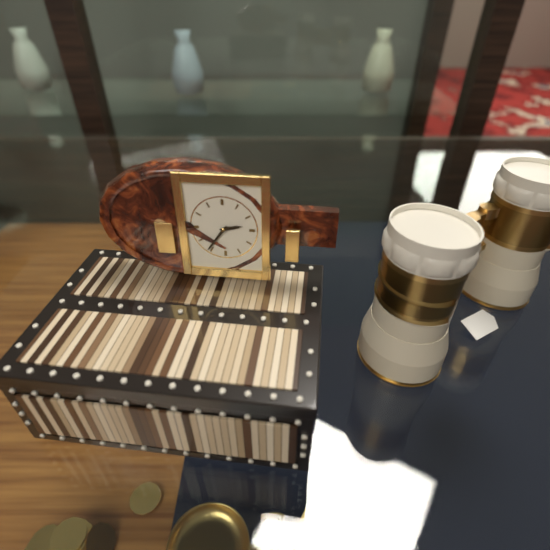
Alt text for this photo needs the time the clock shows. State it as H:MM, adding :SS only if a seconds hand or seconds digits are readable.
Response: 2:36
